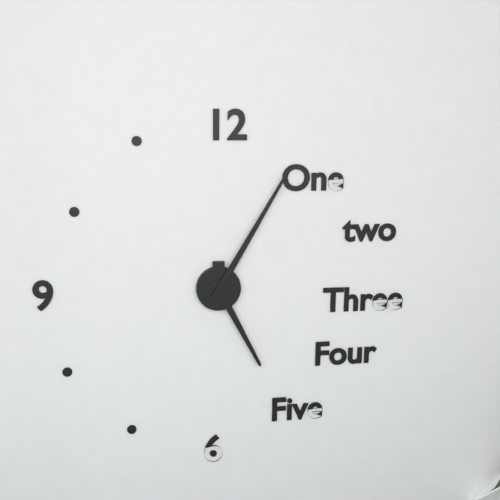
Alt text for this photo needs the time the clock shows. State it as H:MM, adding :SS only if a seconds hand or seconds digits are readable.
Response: 5:05
